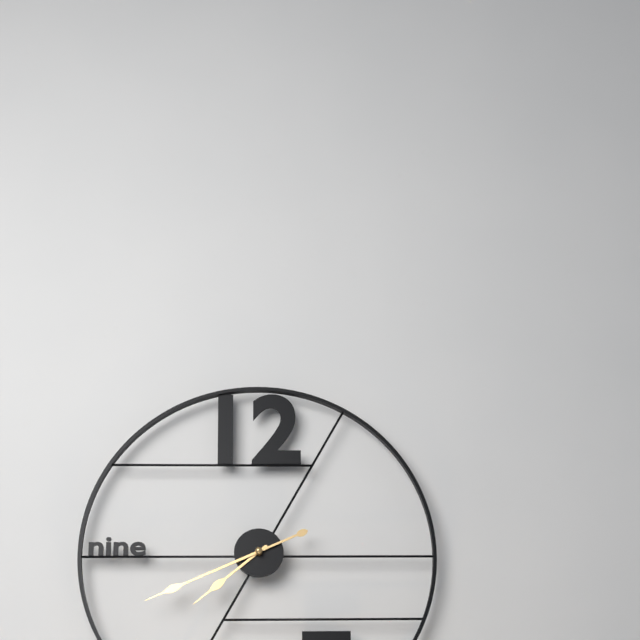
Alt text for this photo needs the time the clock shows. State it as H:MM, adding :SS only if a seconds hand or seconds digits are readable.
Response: 7:41
